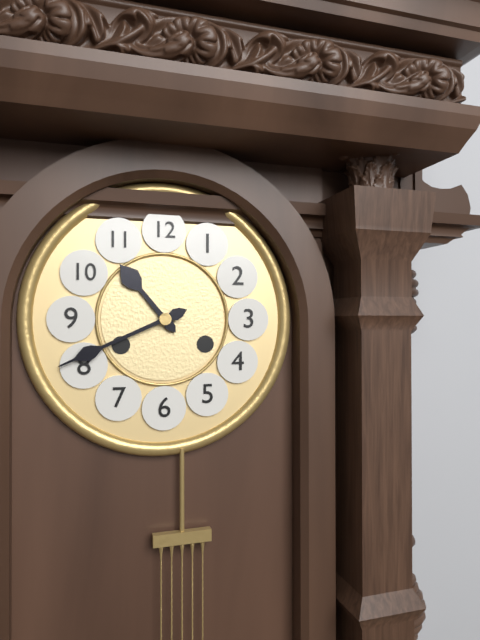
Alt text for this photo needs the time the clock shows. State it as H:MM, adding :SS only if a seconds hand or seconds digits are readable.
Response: 10:41
